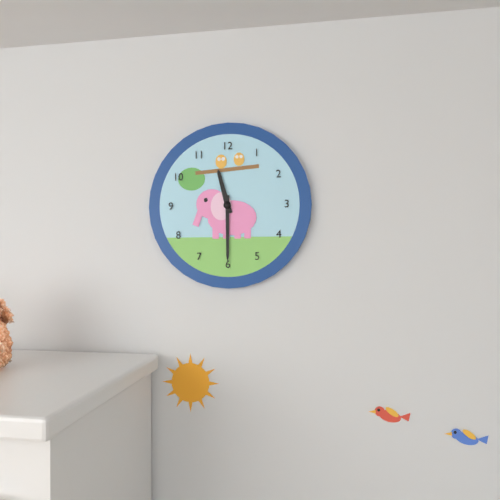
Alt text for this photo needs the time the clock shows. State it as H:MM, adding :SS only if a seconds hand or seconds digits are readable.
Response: 11:30
